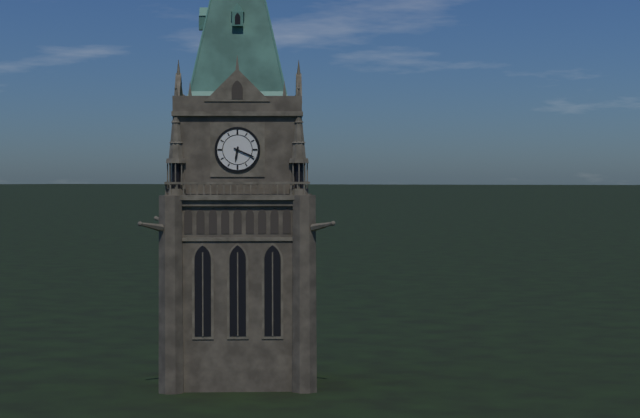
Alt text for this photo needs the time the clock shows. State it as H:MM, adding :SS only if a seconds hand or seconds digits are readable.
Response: 6:19
